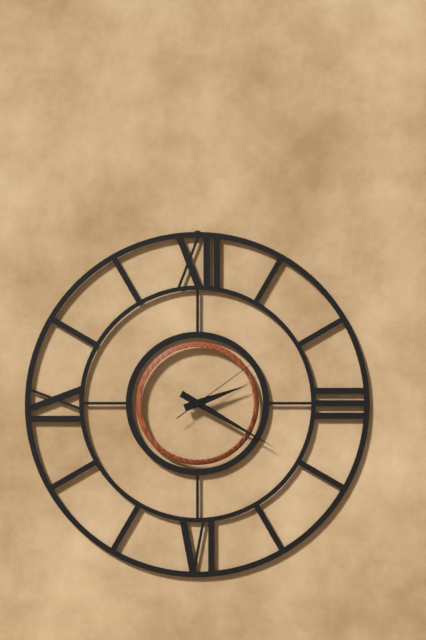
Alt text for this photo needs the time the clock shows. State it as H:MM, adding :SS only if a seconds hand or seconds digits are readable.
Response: 2:20:09
